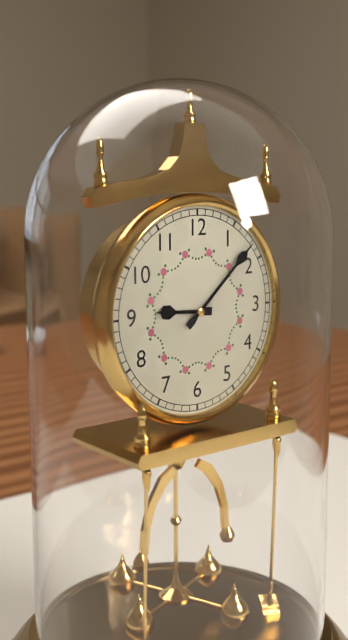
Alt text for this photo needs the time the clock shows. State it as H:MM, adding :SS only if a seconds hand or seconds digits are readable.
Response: 9:08
